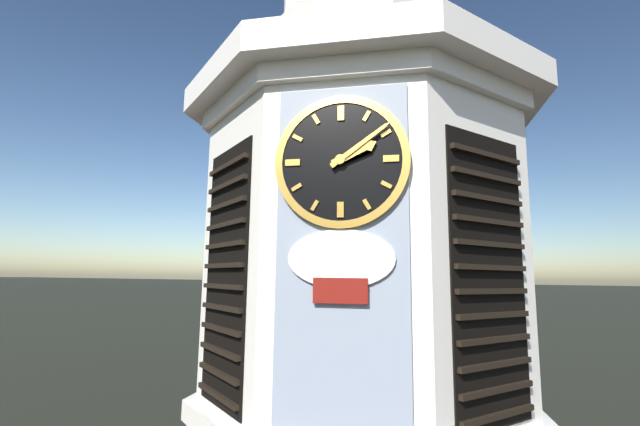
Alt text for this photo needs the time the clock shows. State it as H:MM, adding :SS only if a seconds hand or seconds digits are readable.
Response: 2:09
